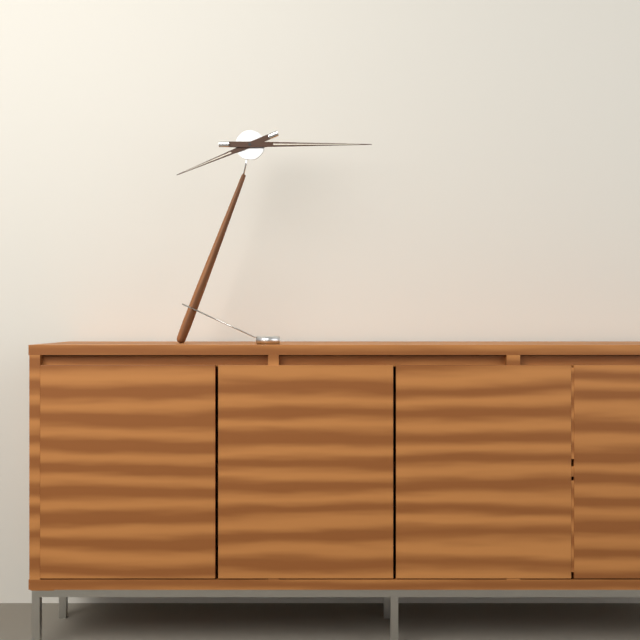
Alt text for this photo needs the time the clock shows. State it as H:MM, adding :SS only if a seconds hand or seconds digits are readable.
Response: 8:15
